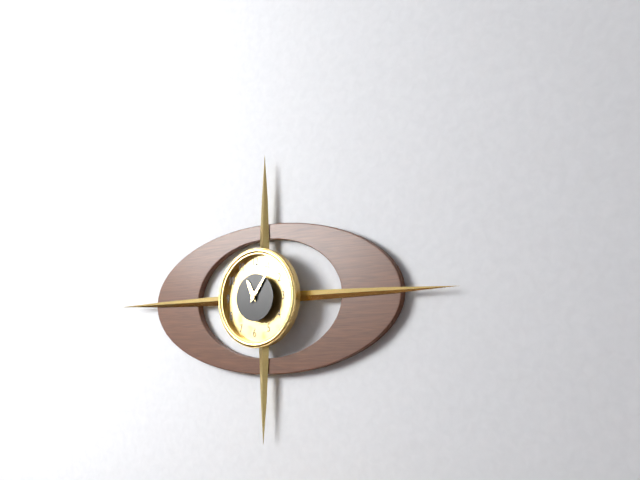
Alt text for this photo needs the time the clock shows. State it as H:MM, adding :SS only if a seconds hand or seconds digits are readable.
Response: 11:06
